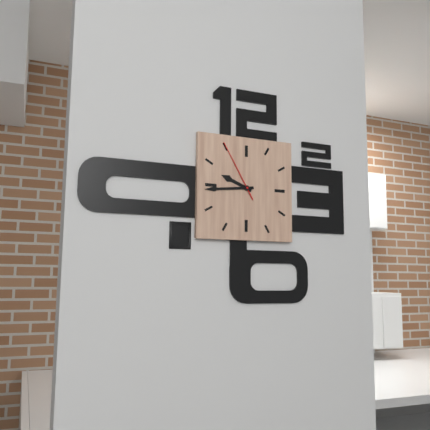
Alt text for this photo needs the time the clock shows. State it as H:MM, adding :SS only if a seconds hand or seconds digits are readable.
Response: 9:44:55
